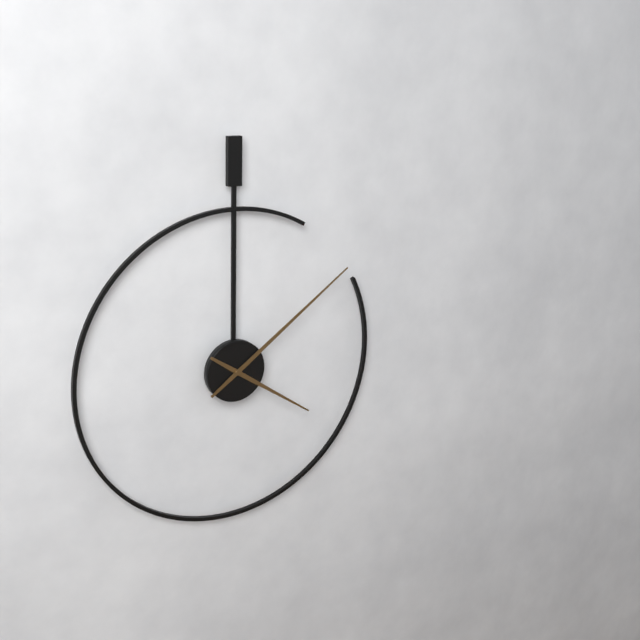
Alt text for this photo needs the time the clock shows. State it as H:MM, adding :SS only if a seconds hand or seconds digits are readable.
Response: 4:09
